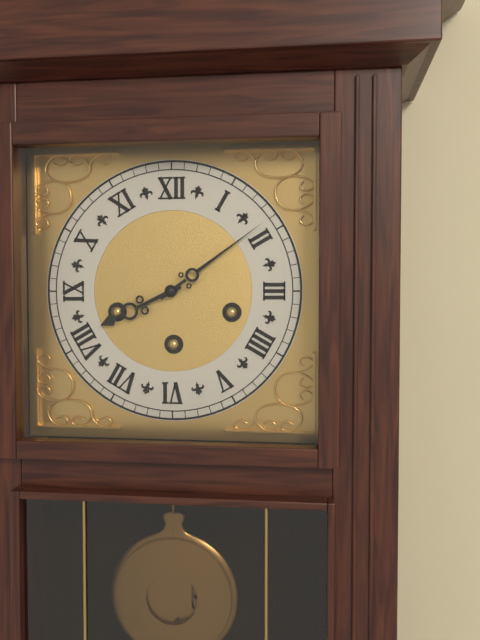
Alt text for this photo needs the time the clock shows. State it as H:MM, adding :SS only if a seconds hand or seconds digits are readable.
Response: 8:09
